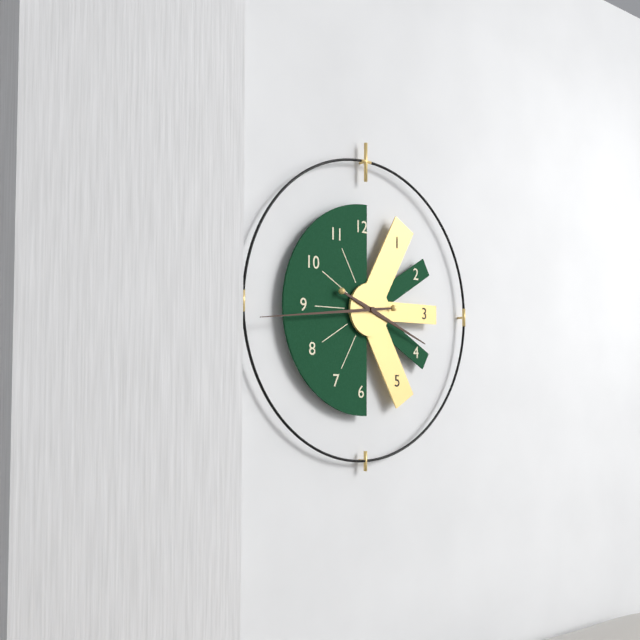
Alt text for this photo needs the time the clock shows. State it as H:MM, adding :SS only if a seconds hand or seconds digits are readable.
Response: 3:44
